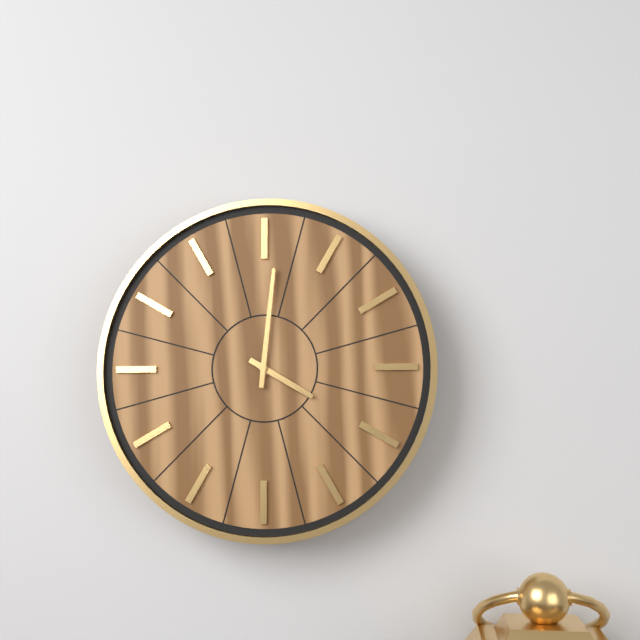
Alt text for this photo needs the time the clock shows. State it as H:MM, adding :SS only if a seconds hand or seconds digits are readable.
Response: 4:01
